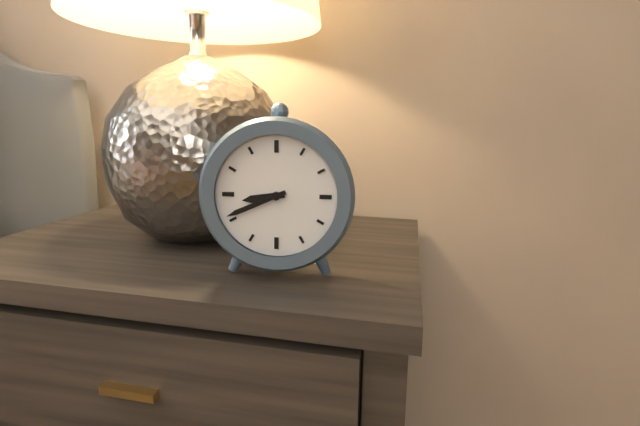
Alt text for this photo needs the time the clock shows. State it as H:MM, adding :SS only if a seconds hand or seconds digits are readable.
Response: 8:41
